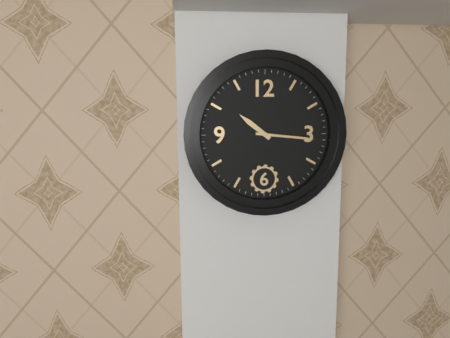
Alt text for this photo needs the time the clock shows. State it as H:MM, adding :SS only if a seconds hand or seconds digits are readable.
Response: 10:16
